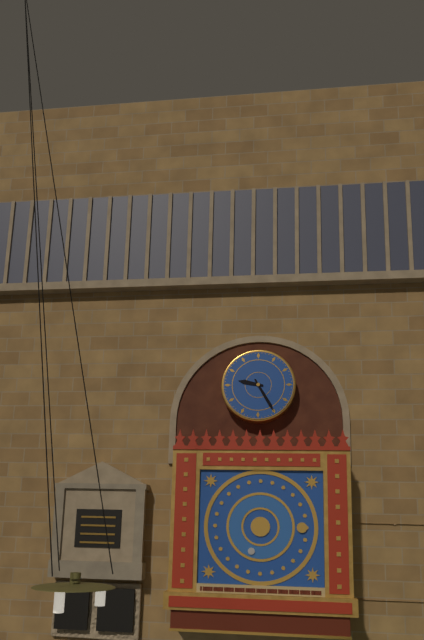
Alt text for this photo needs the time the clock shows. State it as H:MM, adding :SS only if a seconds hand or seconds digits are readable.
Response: 9:25
